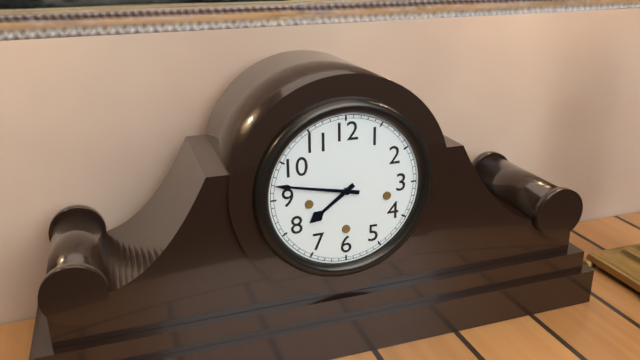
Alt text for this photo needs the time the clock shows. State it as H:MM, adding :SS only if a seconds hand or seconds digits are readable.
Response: 7:47
